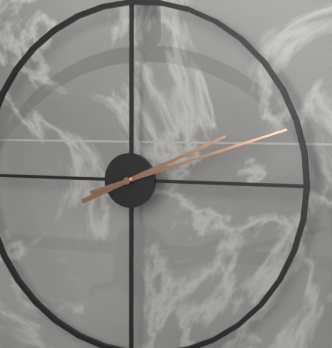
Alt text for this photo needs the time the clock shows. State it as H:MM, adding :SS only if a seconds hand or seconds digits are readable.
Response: 2:12
